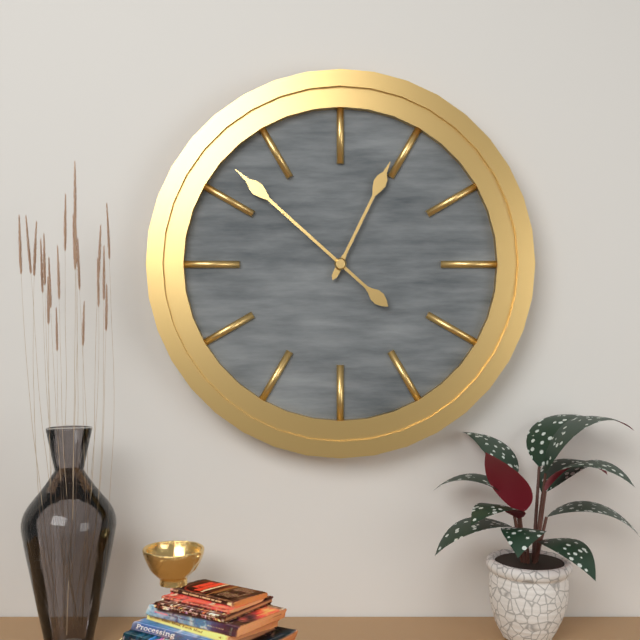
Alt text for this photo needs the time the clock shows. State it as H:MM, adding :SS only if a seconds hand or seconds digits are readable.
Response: 12:52
